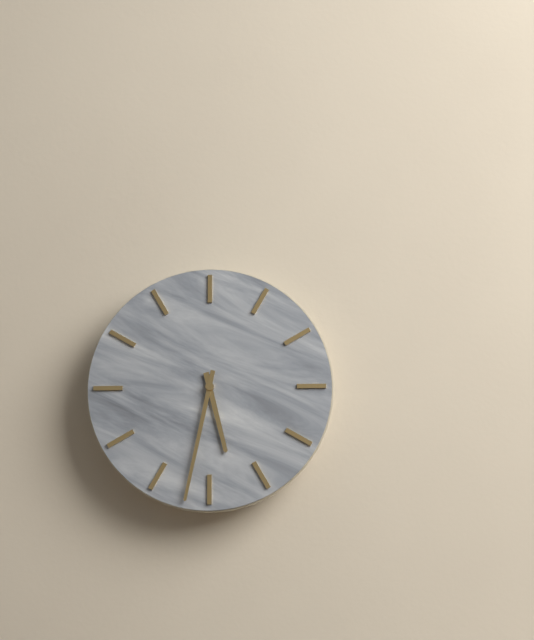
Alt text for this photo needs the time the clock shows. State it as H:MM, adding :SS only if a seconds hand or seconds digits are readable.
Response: 5:32
